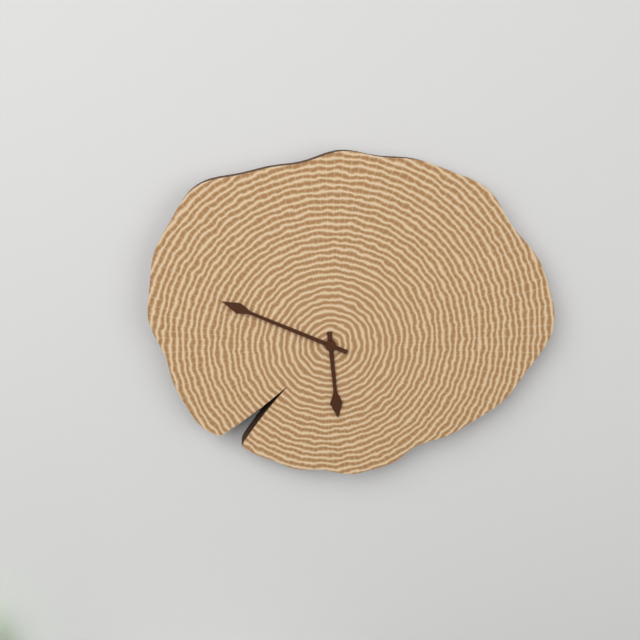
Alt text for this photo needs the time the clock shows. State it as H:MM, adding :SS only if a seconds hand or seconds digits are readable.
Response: 5:49
